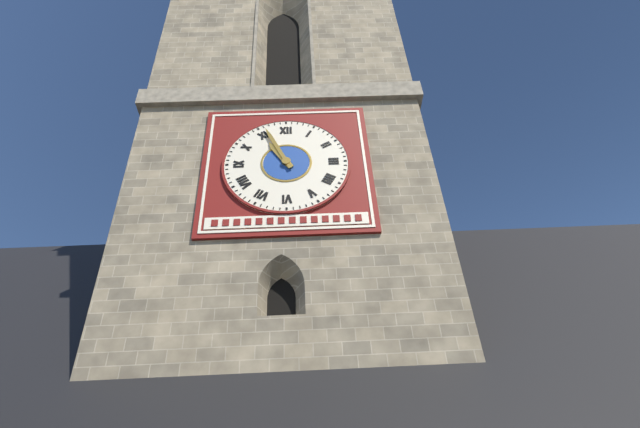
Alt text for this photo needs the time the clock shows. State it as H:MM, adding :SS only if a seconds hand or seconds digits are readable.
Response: 10:56
